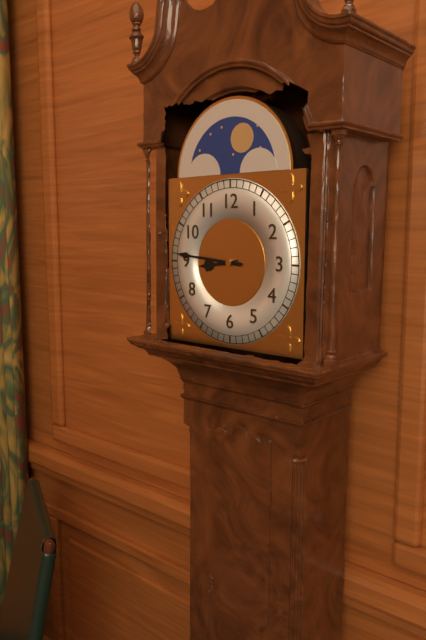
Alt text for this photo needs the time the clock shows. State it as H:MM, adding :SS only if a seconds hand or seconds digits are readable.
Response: 8:46
